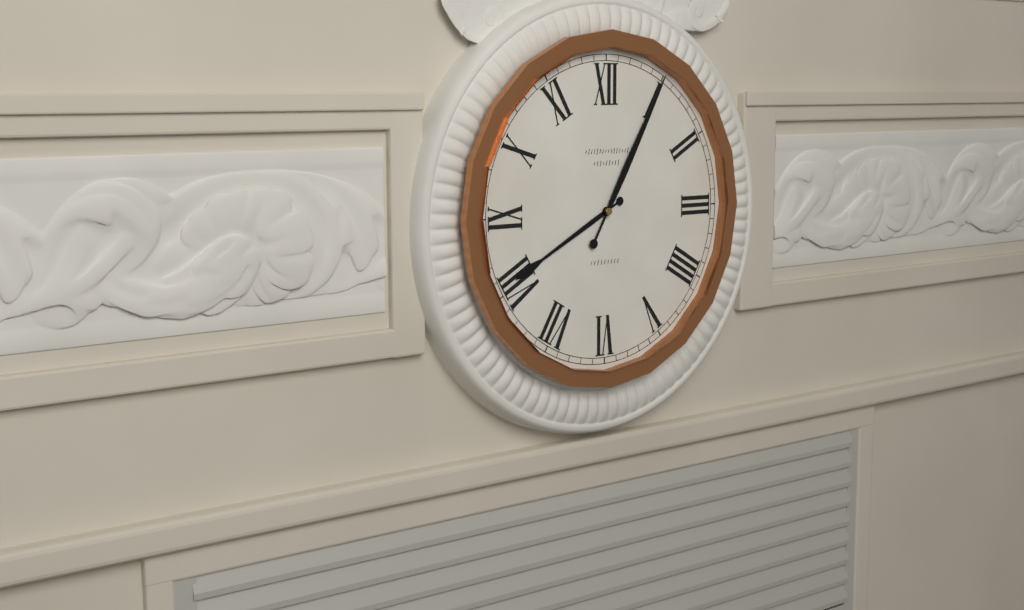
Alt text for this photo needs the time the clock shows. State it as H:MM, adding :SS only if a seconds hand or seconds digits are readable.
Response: 8:05
